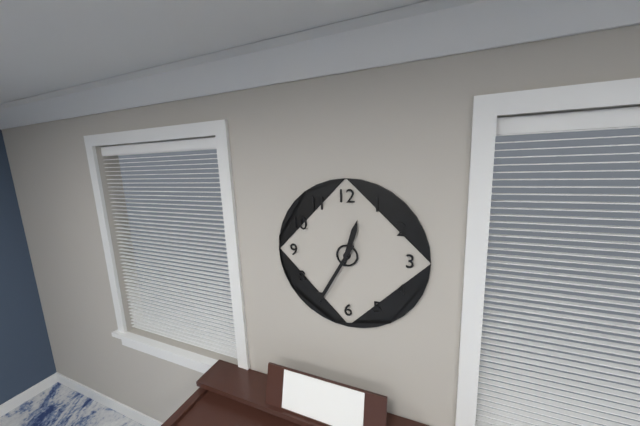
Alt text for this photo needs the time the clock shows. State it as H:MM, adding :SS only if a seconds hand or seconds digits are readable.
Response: 12:35
